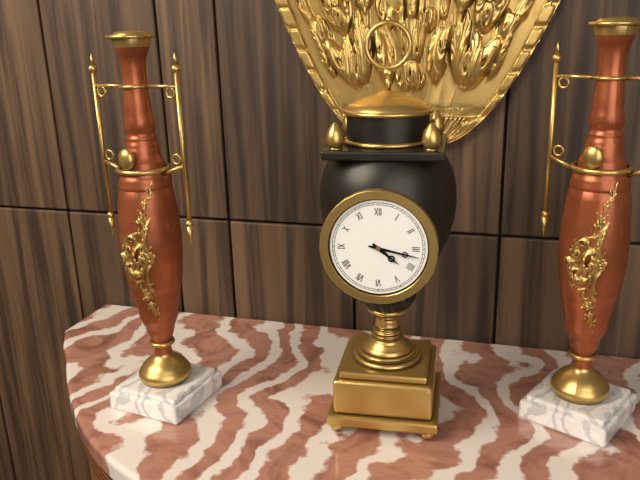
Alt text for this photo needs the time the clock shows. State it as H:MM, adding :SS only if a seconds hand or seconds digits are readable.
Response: 4:17
